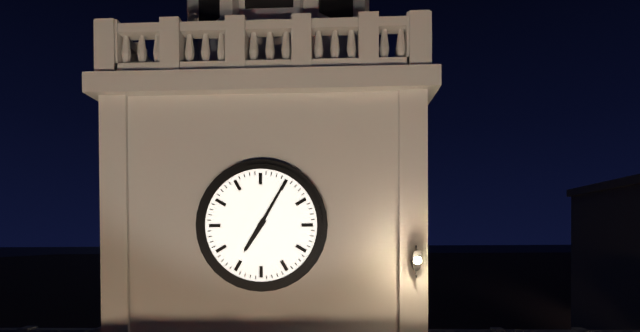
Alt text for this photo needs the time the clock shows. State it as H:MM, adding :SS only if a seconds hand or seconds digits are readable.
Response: 7:05
